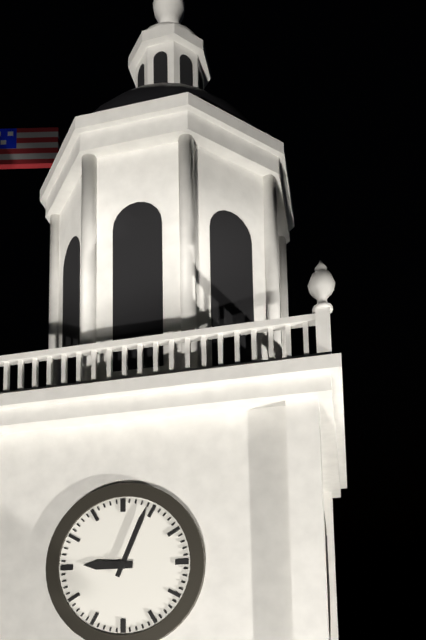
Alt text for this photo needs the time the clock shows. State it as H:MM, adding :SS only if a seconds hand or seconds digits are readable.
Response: 9:04
